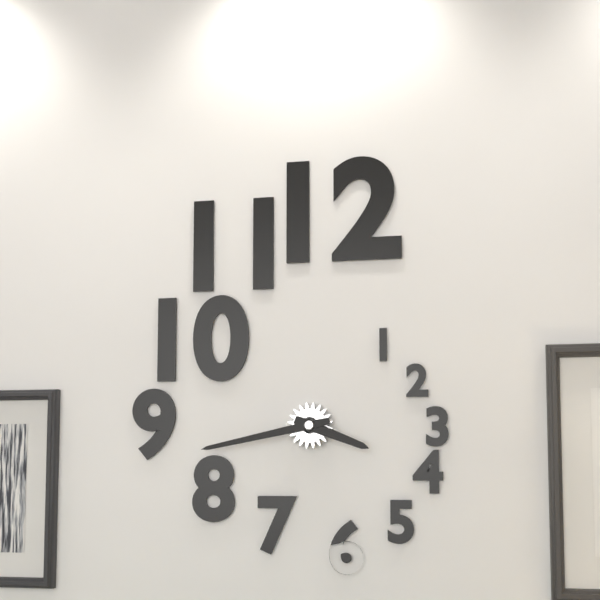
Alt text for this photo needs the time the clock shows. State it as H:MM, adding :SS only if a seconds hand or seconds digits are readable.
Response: 3:43
